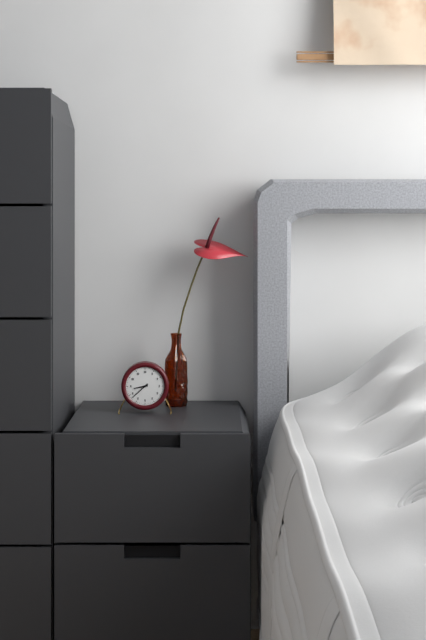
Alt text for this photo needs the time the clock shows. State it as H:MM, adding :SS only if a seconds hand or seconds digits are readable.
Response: 8:38
